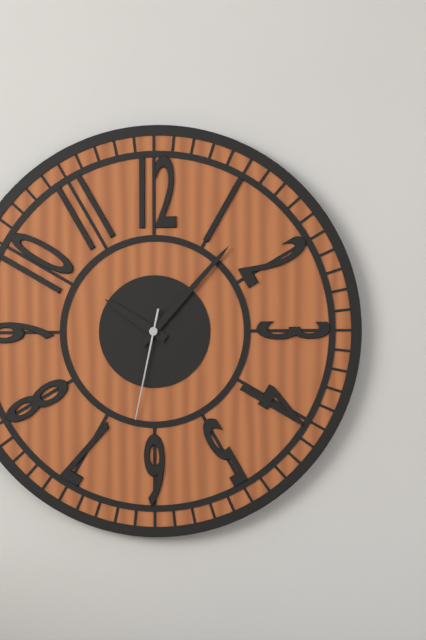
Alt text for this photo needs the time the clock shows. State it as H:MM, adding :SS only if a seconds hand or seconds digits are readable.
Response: 10:07:32
